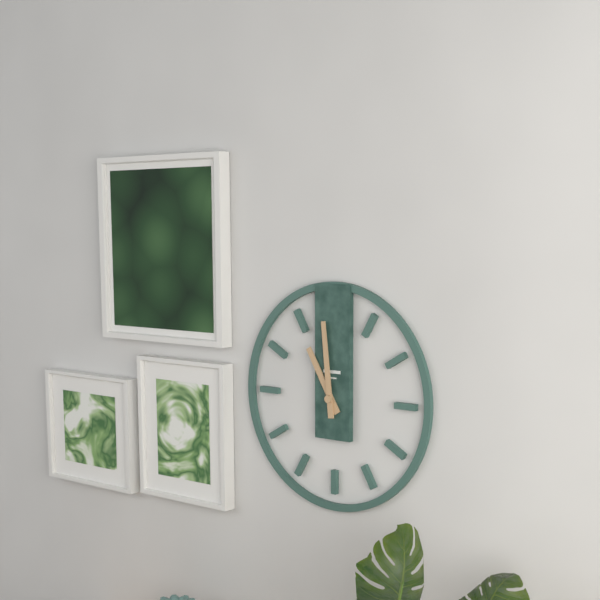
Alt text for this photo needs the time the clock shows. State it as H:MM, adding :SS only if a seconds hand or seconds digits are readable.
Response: 10:59
